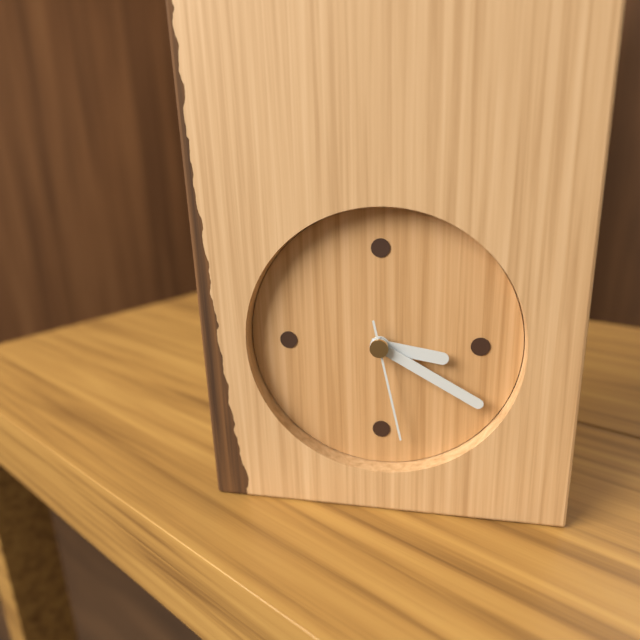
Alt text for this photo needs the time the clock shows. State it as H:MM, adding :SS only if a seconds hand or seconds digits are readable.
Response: 3:20:28
